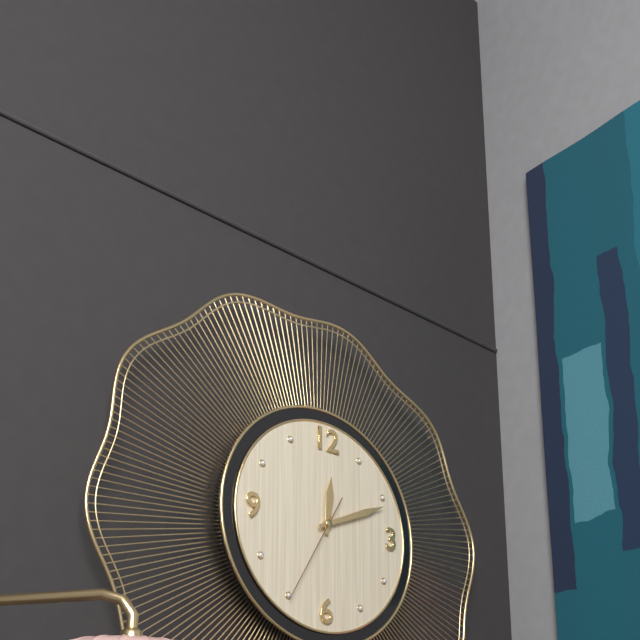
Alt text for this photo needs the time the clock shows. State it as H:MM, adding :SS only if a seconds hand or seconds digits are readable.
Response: 12:11:35
